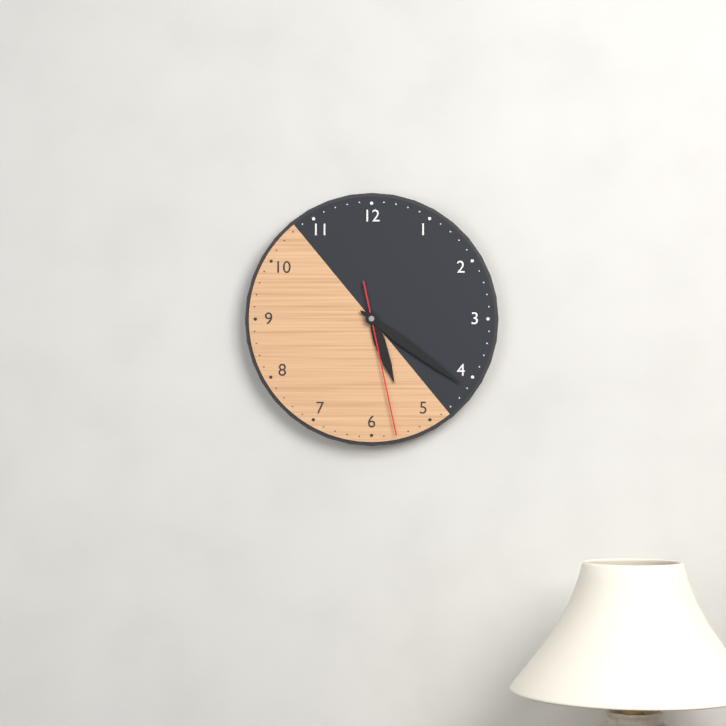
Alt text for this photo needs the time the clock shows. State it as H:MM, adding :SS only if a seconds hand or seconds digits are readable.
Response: 5:21:28
